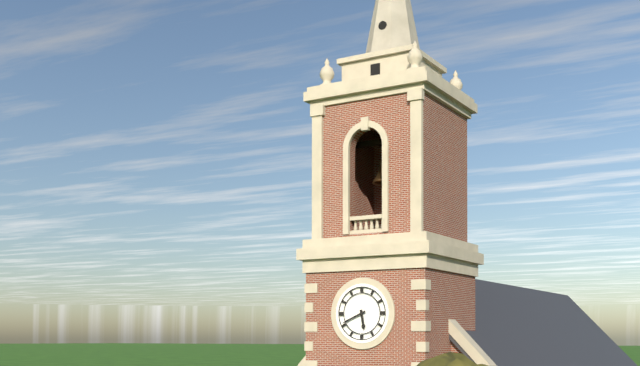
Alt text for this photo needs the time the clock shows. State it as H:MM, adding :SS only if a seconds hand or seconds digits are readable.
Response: 5:41
